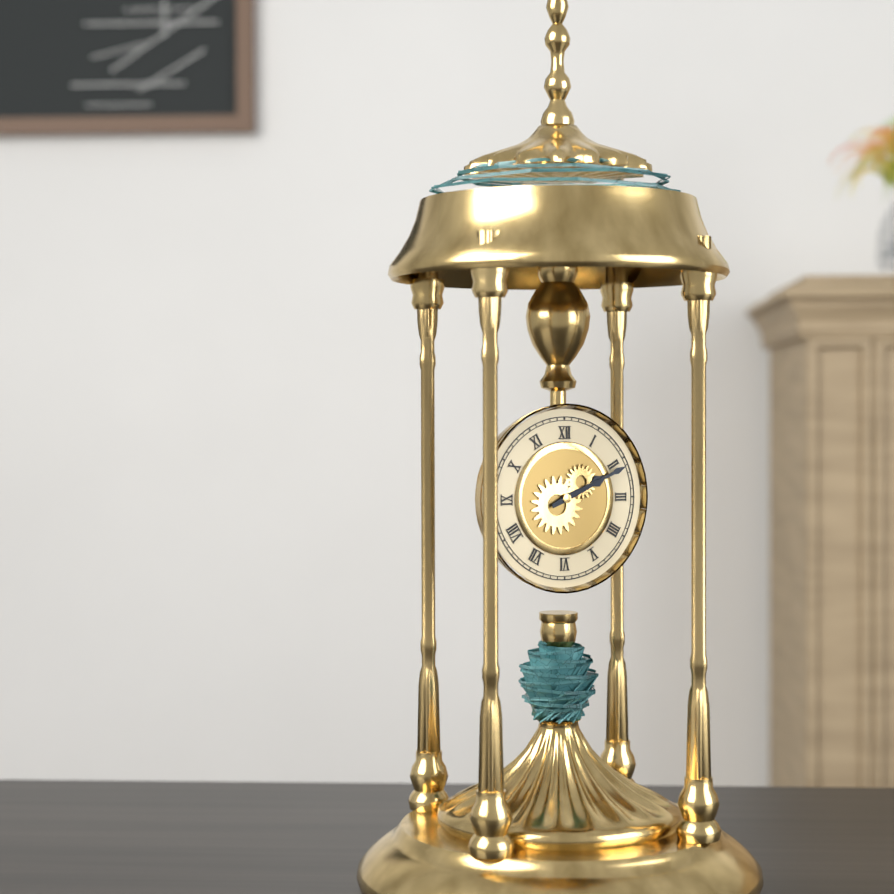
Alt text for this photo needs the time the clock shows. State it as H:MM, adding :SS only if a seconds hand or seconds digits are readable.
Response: 2:11
